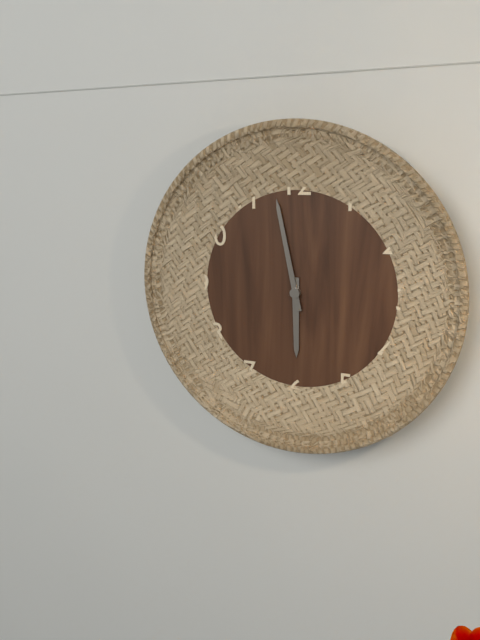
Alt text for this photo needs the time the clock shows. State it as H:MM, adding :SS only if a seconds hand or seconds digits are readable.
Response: 5:58
